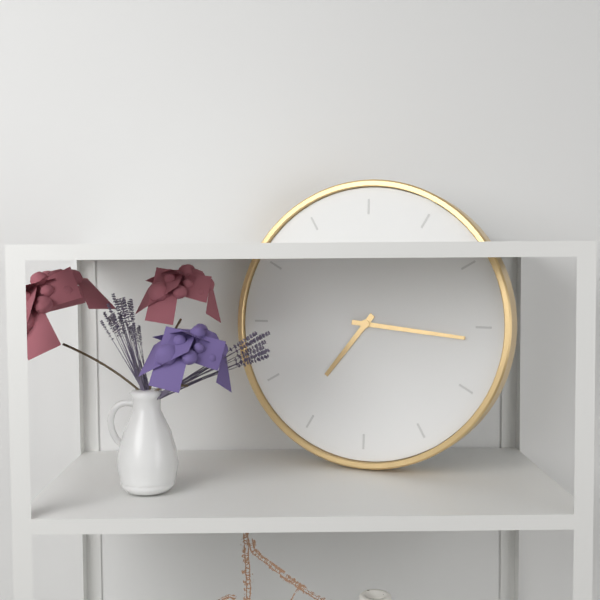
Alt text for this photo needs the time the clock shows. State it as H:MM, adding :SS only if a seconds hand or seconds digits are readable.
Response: 7:16
